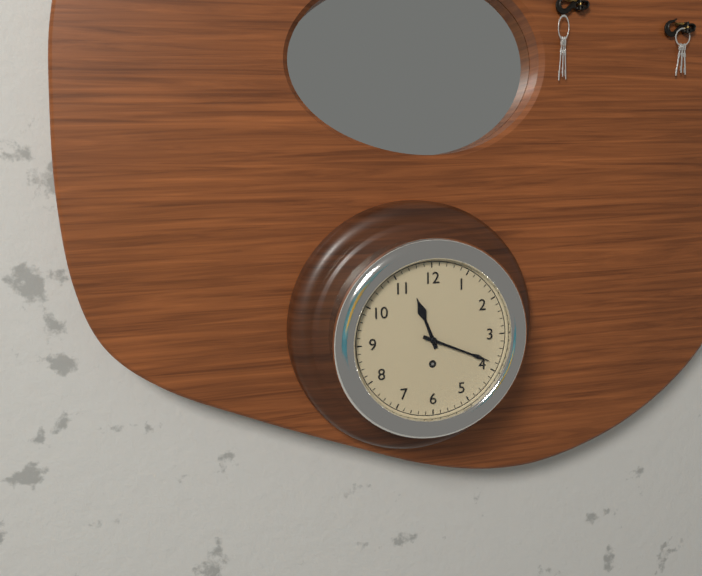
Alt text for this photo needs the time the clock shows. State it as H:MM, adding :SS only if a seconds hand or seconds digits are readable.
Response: 11:19
